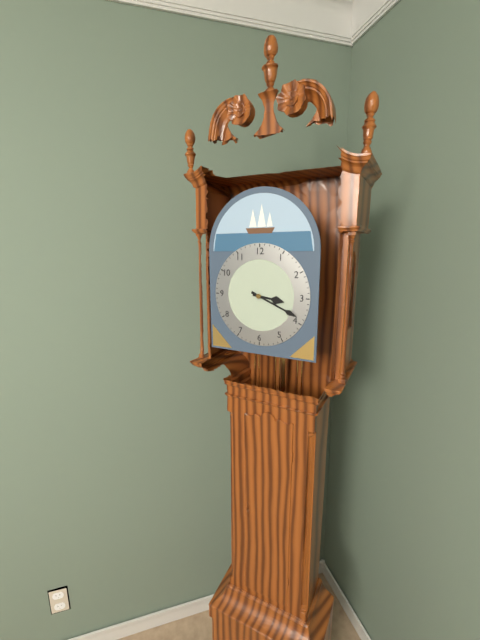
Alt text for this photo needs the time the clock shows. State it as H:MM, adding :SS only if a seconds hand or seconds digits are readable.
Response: 3:19
